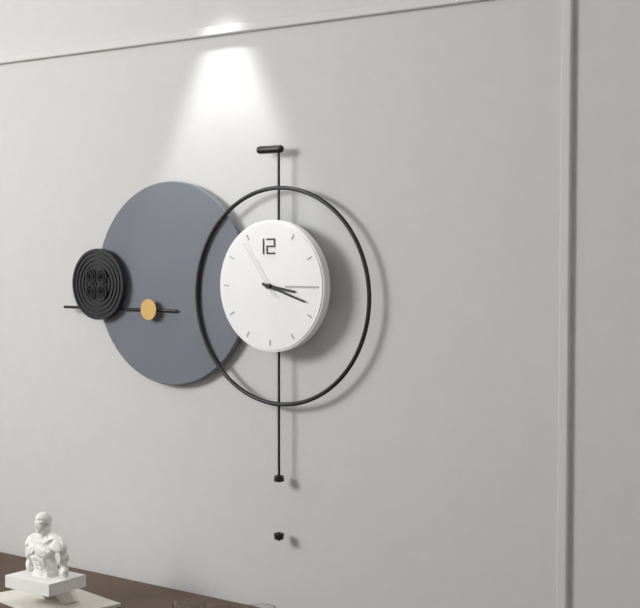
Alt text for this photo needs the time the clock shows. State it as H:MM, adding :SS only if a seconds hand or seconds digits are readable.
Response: 3:18:54
